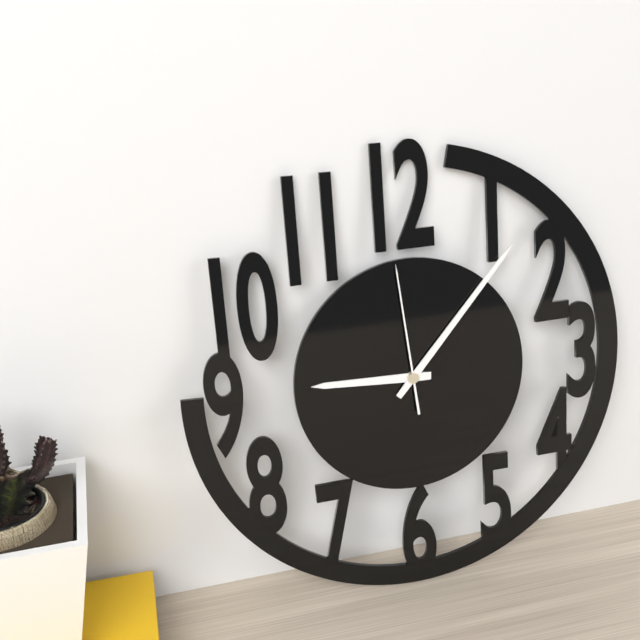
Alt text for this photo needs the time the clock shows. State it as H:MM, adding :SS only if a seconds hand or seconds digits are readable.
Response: 9:07:59
